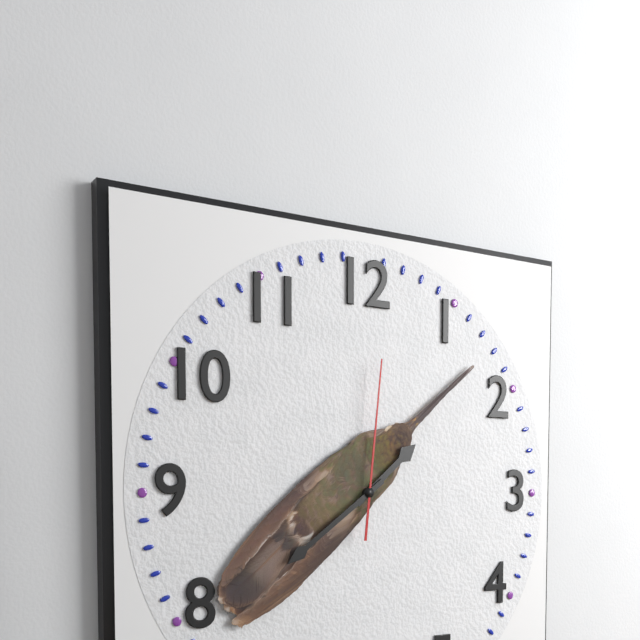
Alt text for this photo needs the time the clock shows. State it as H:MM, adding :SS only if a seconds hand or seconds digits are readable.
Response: 1:39:01
